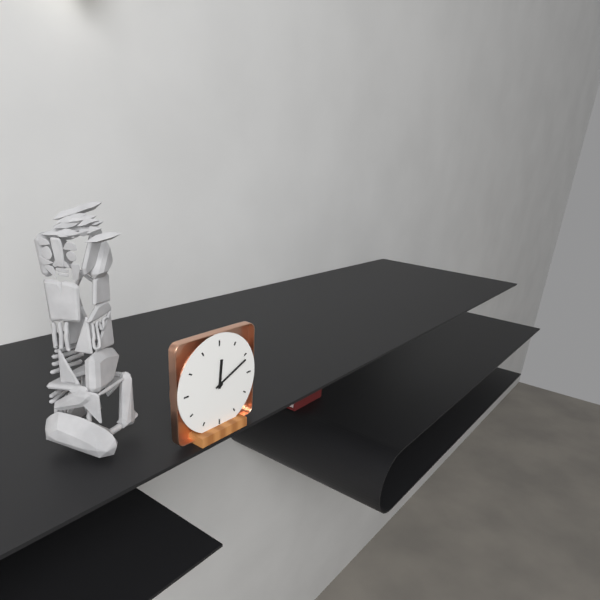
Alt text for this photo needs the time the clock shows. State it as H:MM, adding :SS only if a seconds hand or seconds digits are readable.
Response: 12:11
